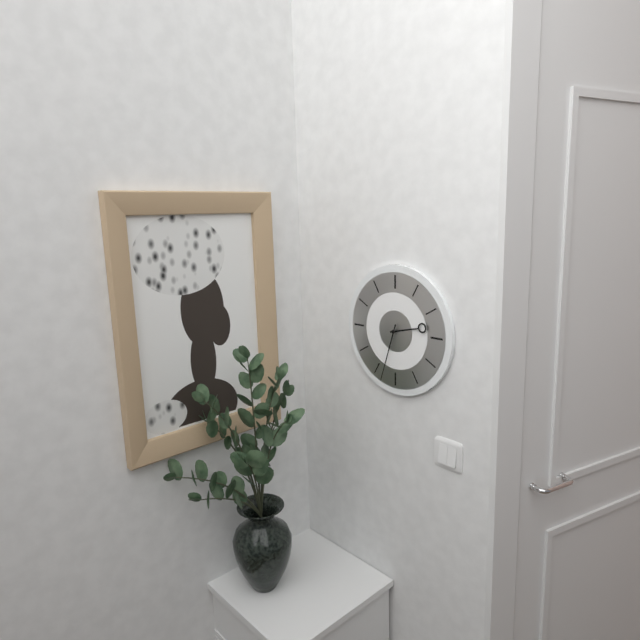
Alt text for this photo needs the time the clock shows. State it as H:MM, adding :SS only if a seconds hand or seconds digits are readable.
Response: 2:33
